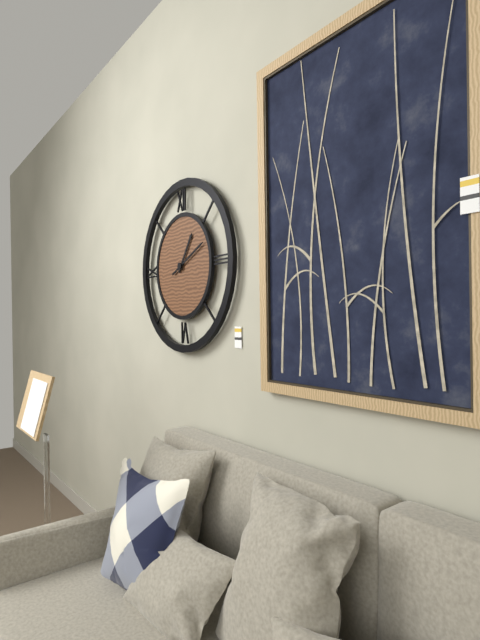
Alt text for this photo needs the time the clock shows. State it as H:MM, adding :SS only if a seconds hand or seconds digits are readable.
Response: 1:11
